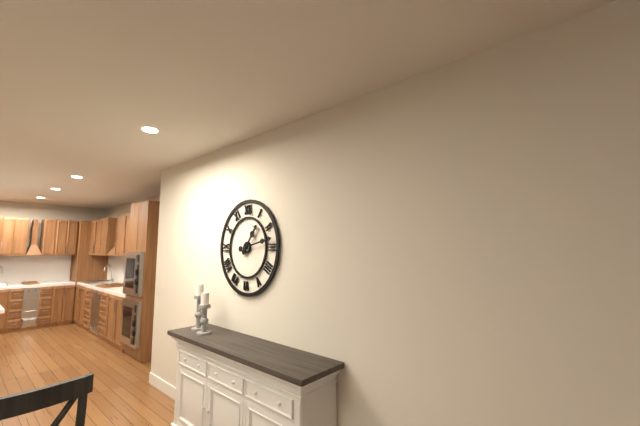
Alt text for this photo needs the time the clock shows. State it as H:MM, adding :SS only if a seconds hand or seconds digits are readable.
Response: 1:13
